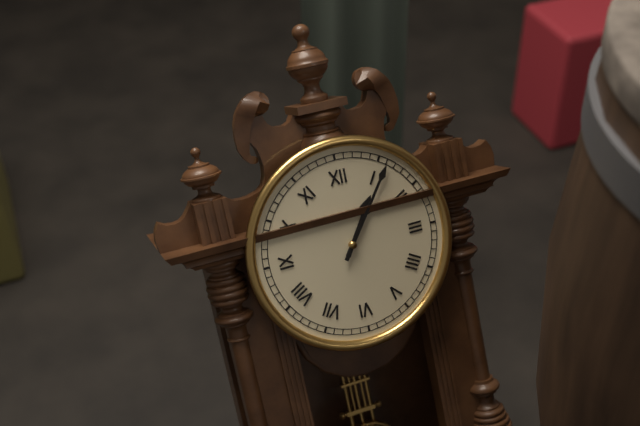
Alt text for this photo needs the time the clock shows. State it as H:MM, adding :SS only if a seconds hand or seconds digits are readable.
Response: 1:06
